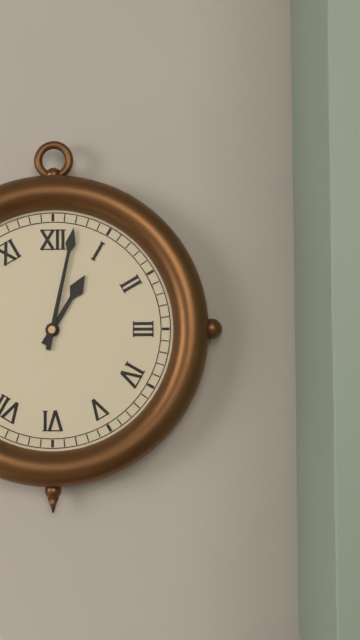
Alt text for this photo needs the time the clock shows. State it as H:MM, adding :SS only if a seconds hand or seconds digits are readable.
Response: 1:02
